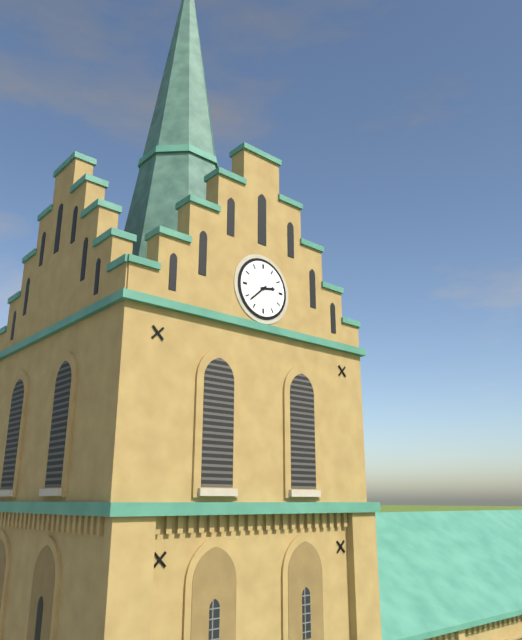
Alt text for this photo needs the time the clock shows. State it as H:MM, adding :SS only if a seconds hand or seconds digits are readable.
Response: 2:38
